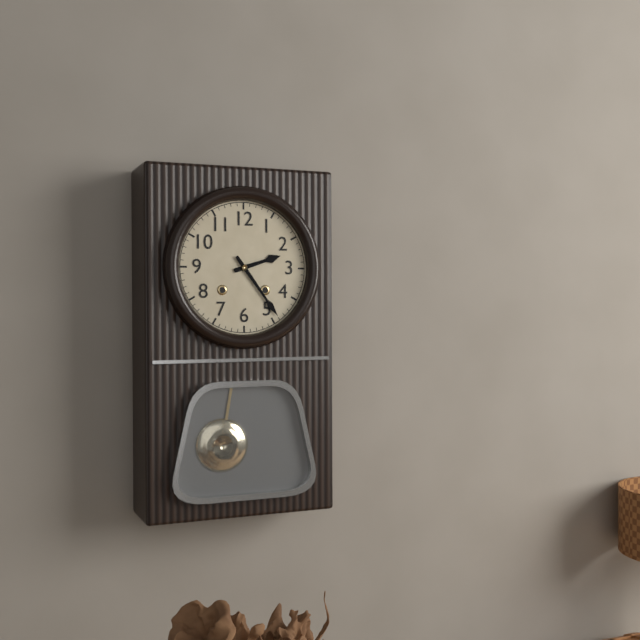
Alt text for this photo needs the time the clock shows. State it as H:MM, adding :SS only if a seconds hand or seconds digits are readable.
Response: 2:24
